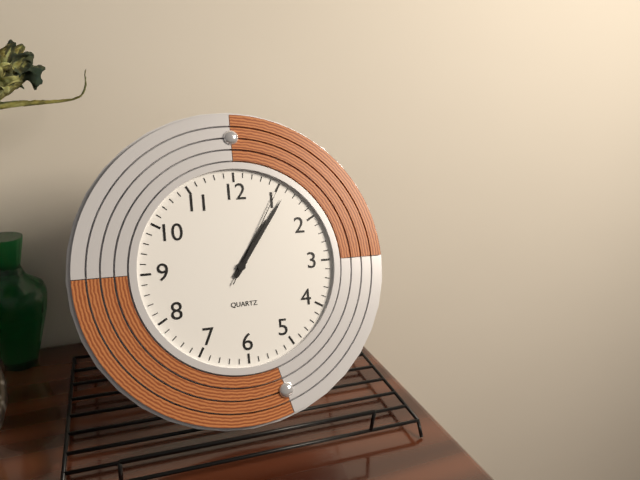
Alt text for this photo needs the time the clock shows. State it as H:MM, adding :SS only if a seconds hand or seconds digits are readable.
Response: 1:06:05
